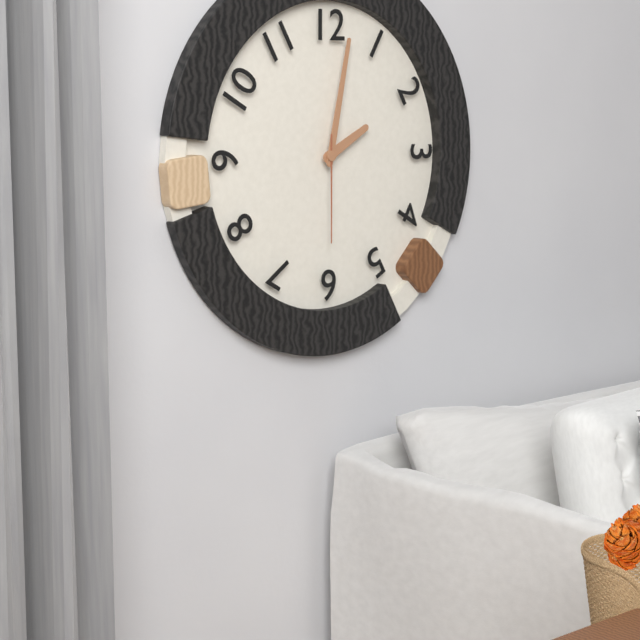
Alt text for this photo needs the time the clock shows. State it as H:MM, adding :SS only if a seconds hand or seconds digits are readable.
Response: 2:02:30
